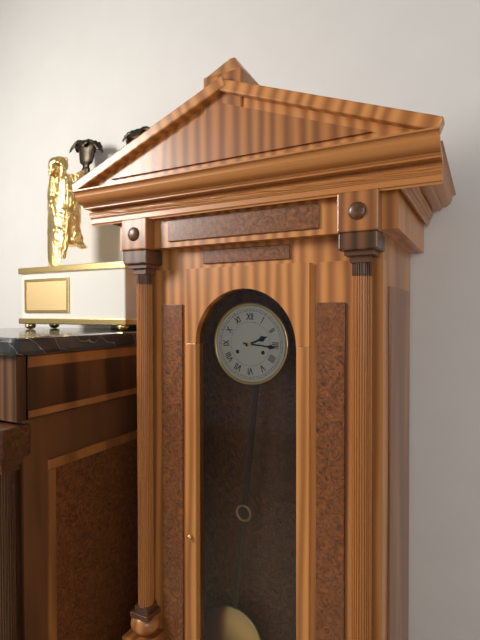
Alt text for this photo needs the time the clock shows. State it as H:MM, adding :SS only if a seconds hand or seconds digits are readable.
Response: 2:16
